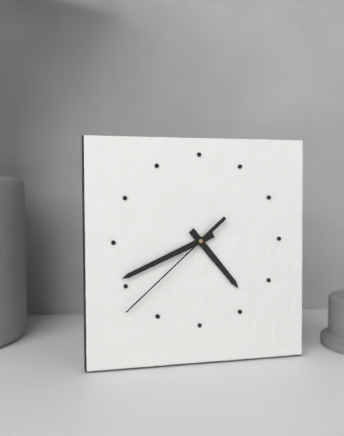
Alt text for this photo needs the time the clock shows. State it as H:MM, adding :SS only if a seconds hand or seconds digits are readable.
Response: 4:41:38
